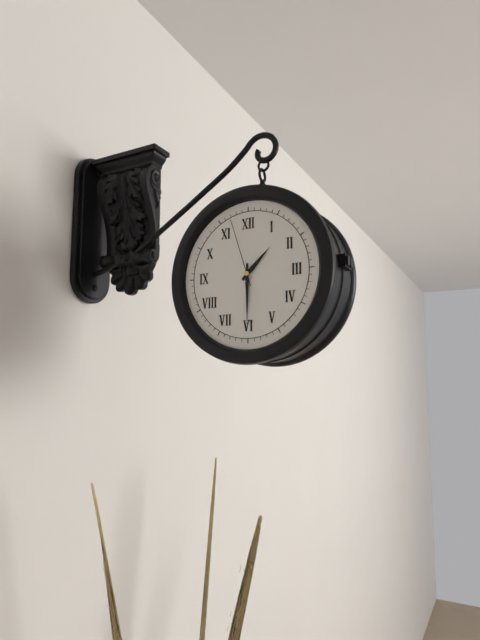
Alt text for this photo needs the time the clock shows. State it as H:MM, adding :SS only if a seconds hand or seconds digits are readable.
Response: 1:30:57
